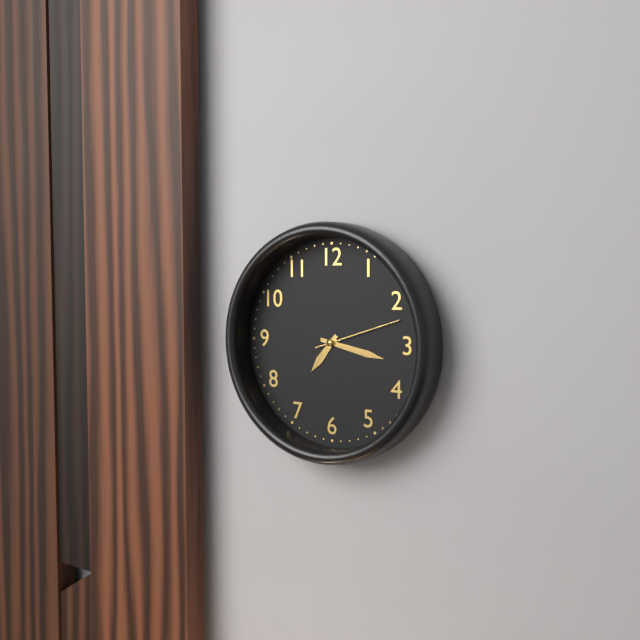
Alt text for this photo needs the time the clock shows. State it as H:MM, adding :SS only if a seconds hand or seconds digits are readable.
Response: 7:17:12
